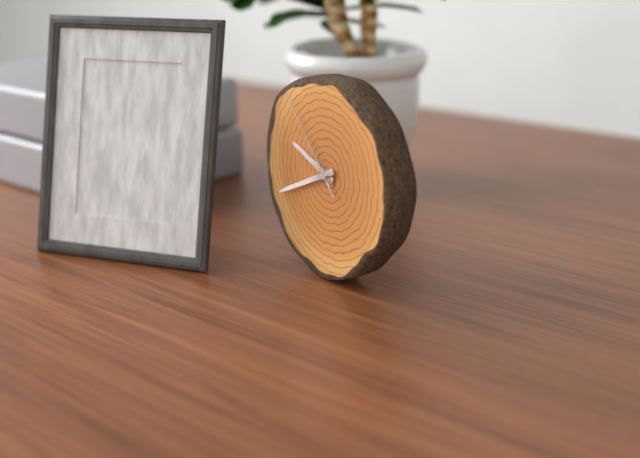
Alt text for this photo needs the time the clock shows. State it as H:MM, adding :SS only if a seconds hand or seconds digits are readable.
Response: 9:41:53
